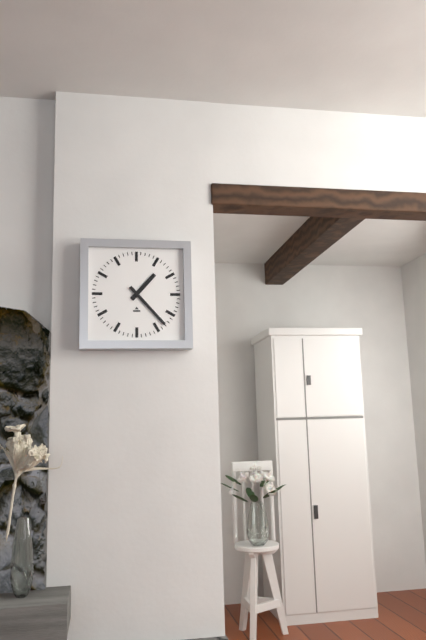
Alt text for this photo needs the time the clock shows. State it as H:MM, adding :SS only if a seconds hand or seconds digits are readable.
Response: 1:23
